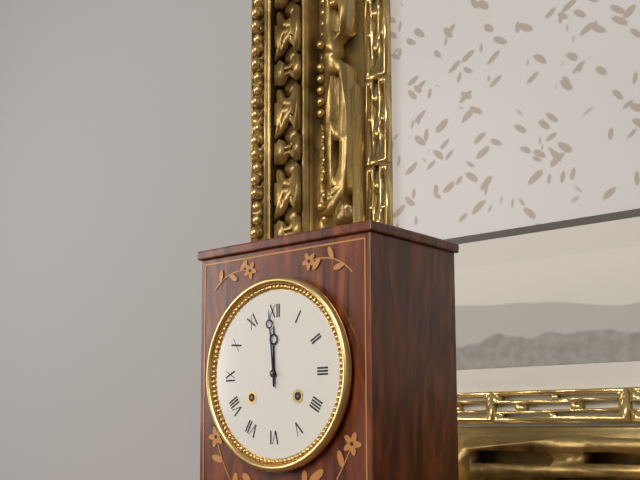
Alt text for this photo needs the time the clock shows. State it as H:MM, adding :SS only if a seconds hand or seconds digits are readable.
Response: 11:59
